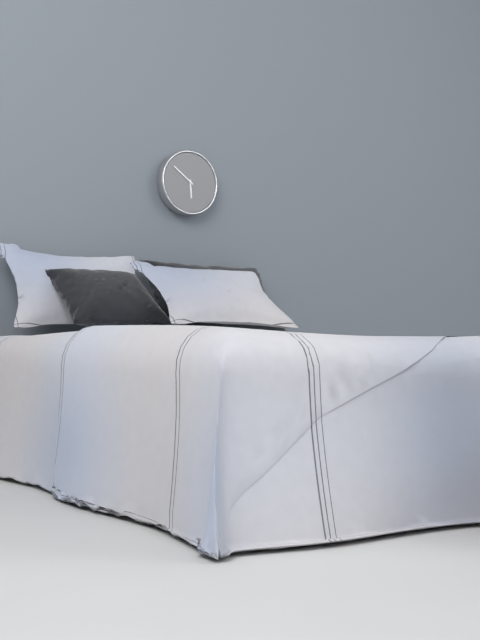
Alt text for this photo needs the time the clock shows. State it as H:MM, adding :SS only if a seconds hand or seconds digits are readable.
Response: 5:51
